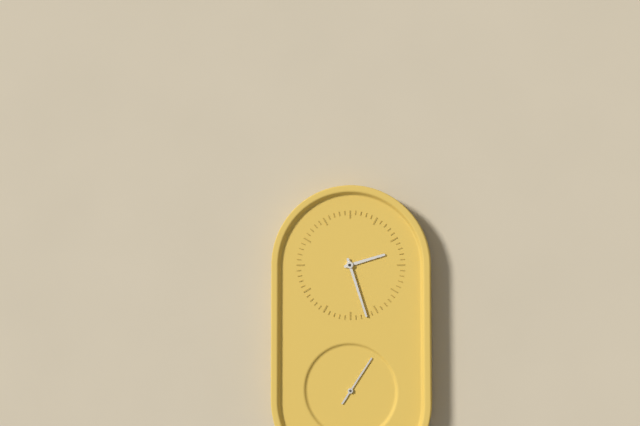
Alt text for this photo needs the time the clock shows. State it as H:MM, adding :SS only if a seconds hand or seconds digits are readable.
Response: 2:27
